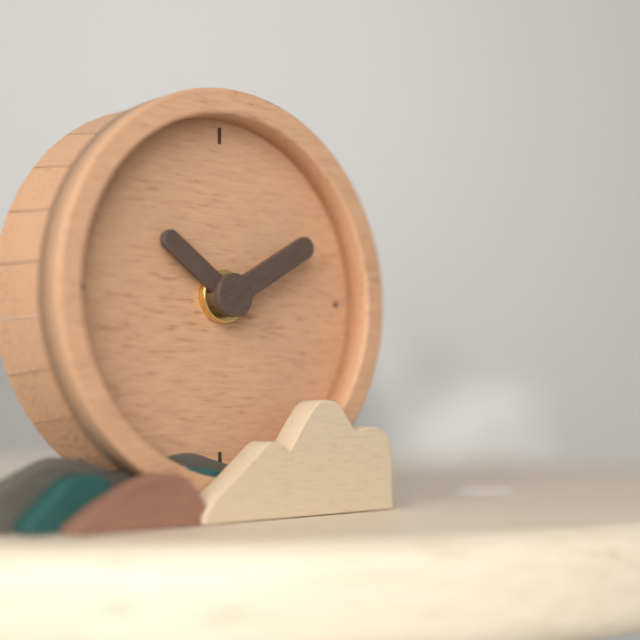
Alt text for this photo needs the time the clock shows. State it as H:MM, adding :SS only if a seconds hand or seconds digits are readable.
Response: 10:10
